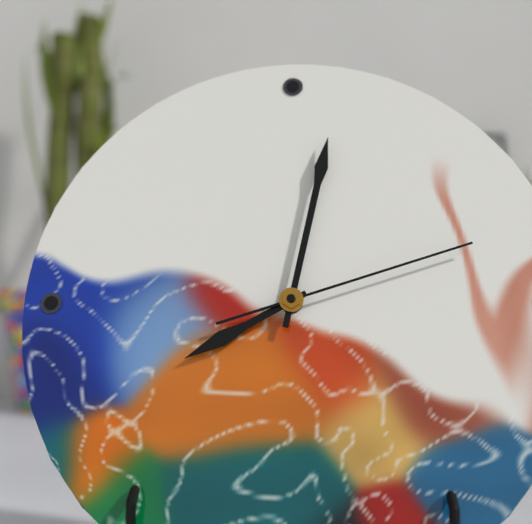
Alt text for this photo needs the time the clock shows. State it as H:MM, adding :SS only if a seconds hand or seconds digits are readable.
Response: 8:02:12
